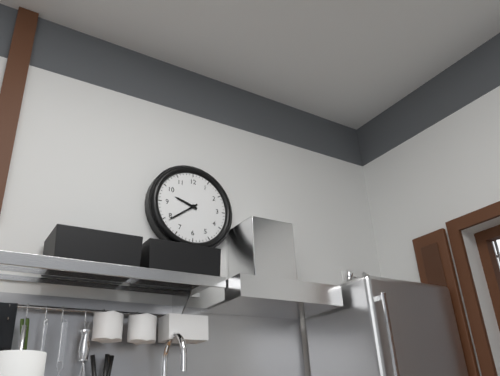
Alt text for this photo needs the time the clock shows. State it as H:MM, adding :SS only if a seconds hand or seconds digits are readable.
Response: 9:39
